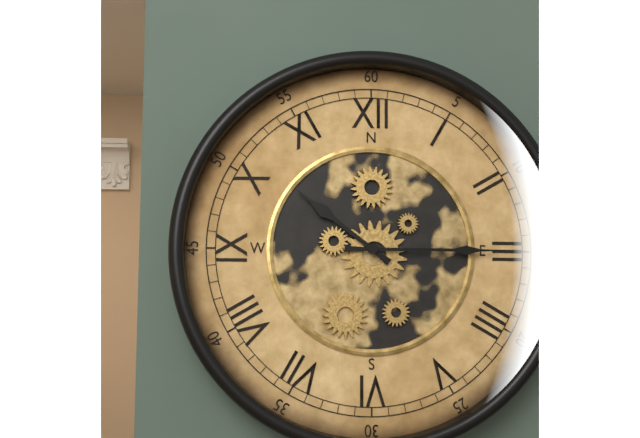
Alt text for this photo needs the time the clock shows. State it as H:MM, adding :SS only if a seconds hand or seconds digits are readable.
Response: 10:15
